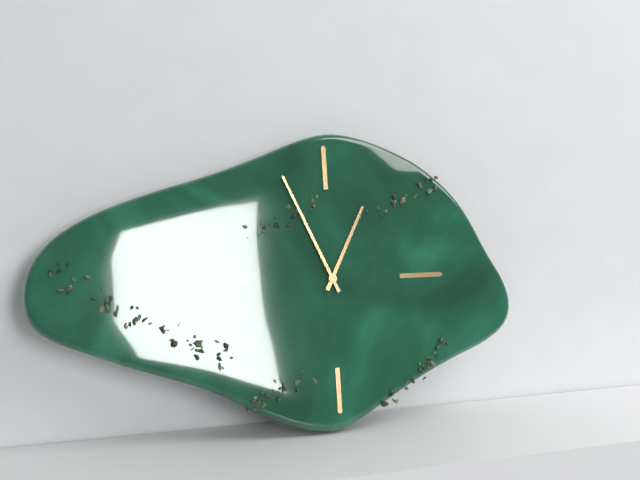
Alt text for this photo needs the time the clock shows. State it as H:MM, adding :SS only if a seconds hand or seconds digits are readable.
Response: 12:56
